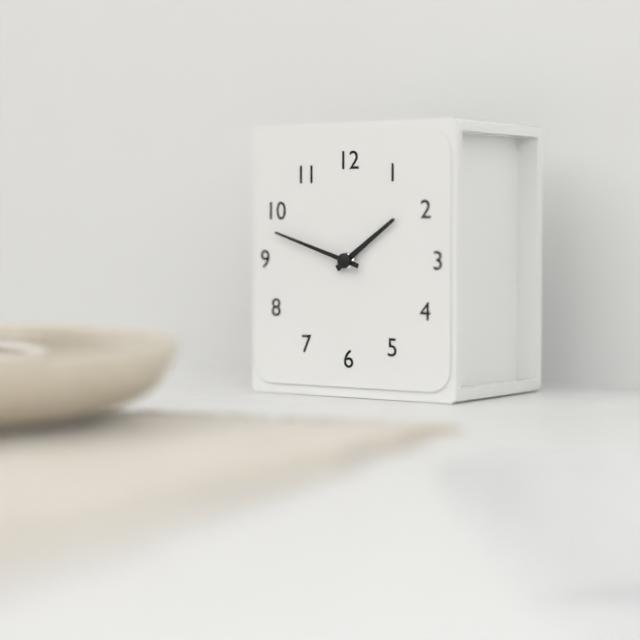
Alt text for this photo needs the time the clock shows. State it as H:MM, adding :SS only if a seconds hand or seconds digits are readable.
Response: 1:48
